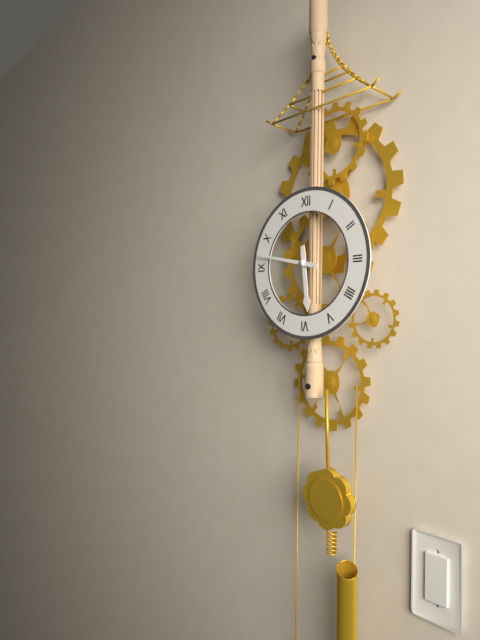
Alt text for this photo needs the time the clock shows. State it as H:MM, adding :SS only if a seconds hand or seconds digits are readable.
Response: 5:47
